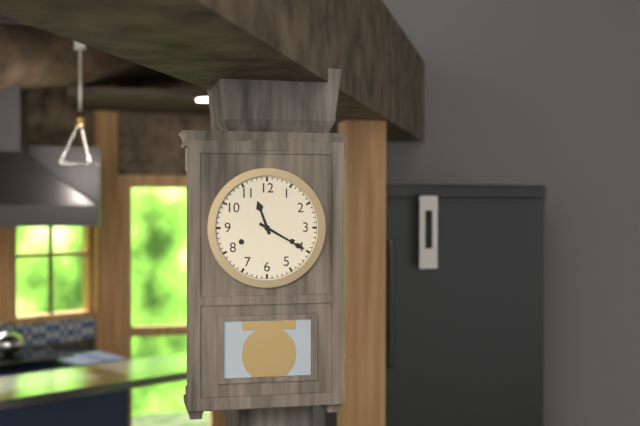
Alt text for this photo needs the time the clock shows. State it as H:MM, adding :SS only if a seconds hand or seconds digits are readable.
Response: 11:20
